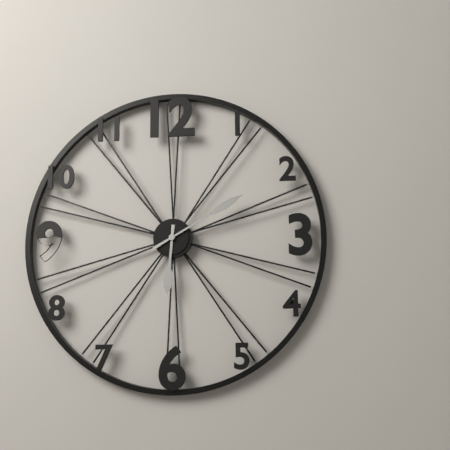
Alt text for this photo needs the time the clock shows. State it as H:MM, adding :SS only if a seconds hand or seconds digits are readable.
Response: 6:10
